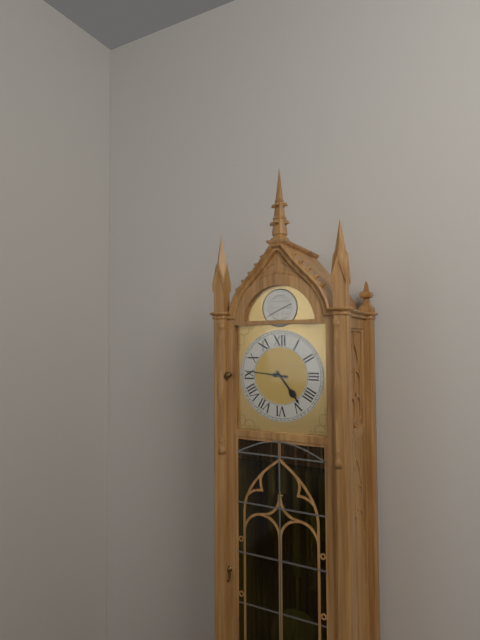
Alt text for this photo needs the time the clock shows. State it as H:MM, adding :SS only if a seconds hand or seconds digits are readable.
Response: 4:46
